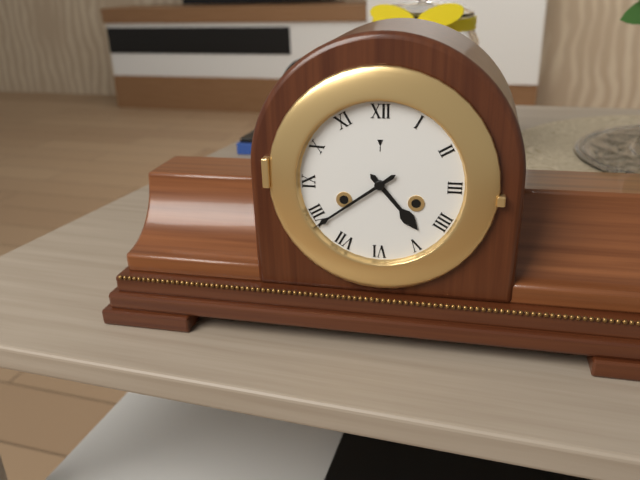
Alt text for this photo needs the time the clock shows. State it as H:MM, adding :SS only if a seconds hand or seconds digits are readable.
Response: 4:39
